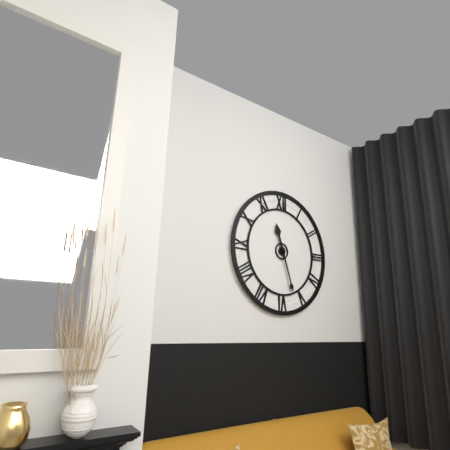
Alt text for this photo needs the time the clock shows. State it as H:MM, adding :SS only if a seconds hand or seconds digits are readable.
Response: 11:27
